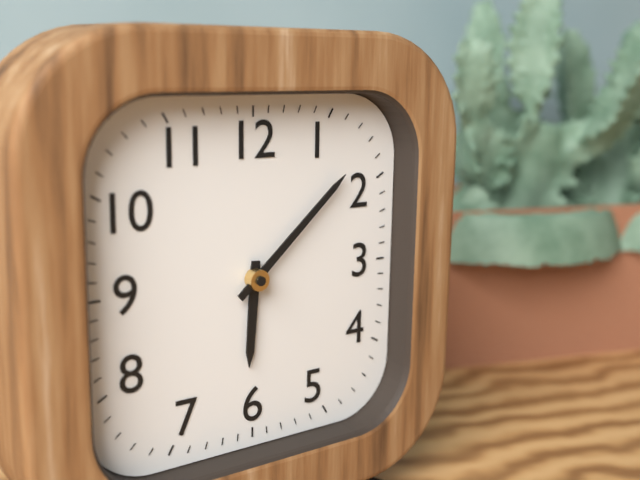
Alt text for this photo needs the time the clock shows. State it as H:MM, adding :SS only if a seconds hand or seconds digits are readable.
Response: 6:08
